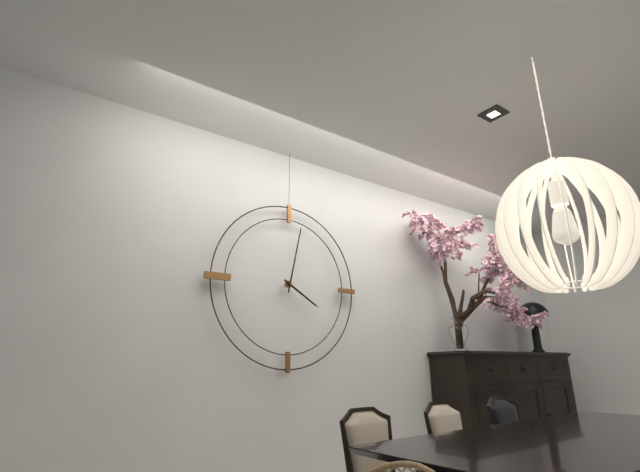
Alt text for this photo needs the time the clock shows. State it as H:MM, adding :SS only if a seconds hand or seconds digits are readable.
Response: 4:02
